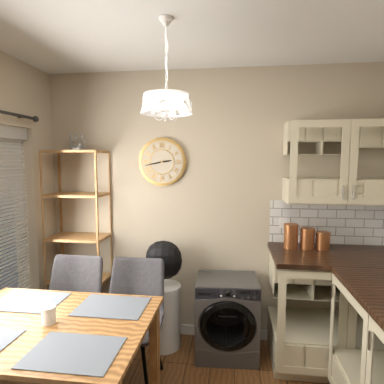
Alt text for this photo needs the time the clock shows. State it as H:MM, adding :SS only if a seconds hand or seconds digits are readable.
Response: 2:43
